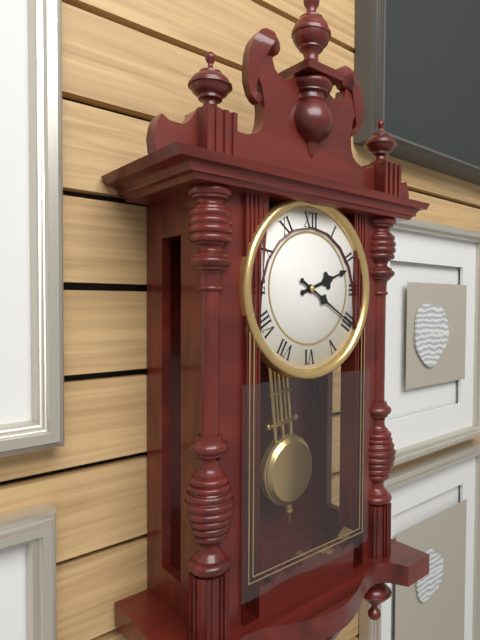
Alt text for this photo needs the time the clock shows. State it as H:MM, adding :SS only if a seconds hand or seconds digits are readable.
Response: 2:20
